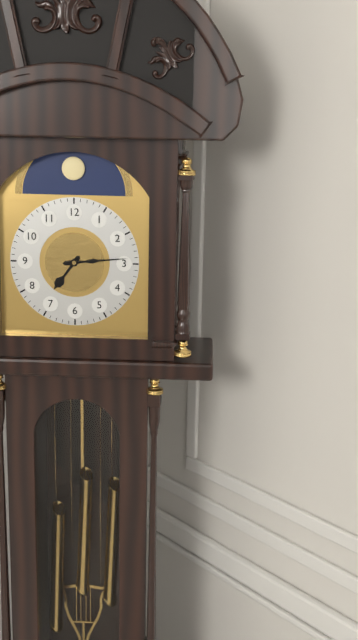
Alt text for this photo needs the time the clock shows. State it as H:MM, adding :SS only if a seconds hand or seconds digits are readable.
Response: 7:14
